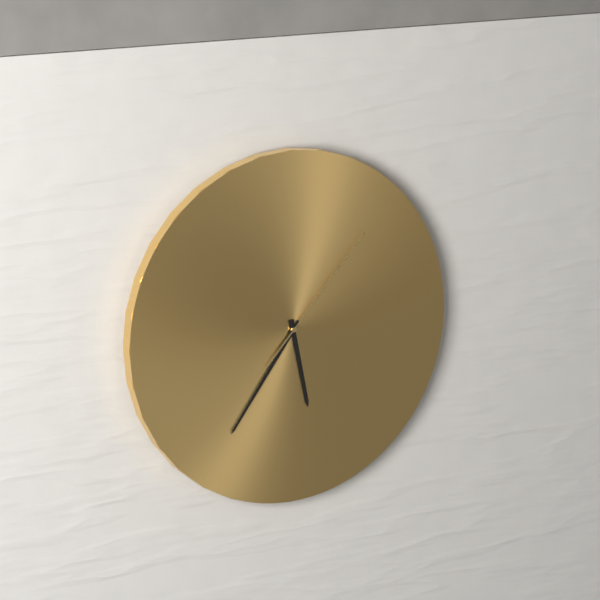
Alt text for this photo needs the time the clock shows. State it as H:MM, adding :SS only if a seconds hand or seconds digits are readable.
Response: 5:36:07
